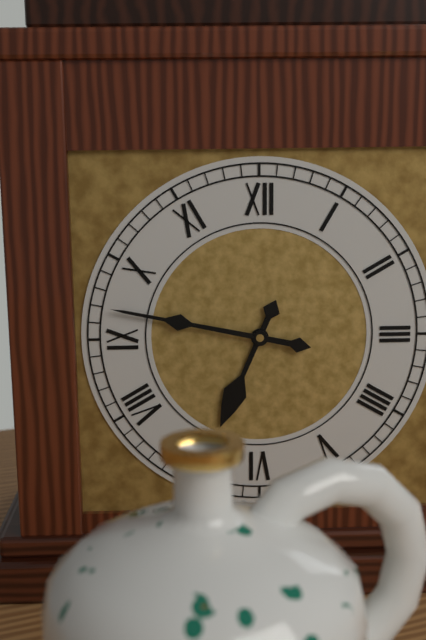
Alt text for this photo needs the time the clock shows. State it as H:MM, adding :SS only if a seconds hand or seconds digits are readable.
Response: 6:47
